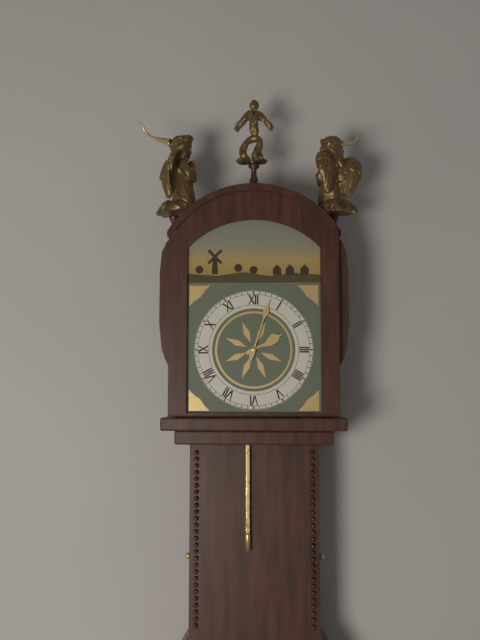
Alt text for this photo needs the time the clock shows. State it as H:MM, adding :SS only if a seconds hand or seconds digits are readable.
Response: 2:03
